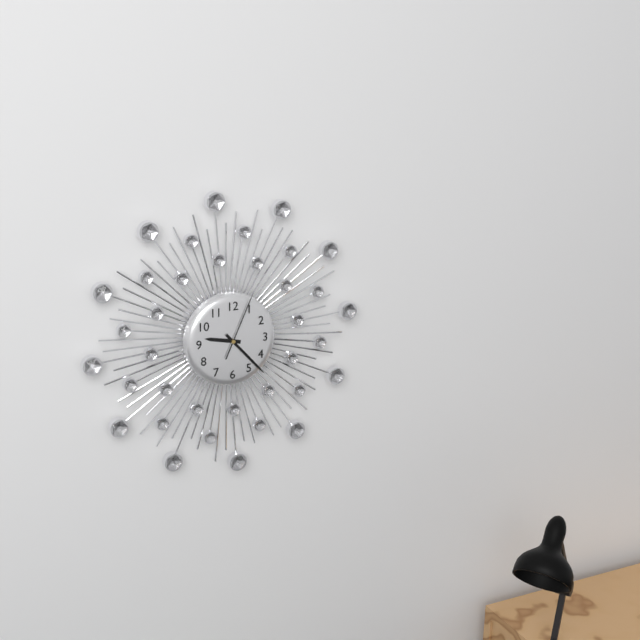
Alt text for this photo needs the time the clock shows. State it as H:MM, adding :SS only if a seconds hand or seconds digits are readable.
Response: 9:23:04
